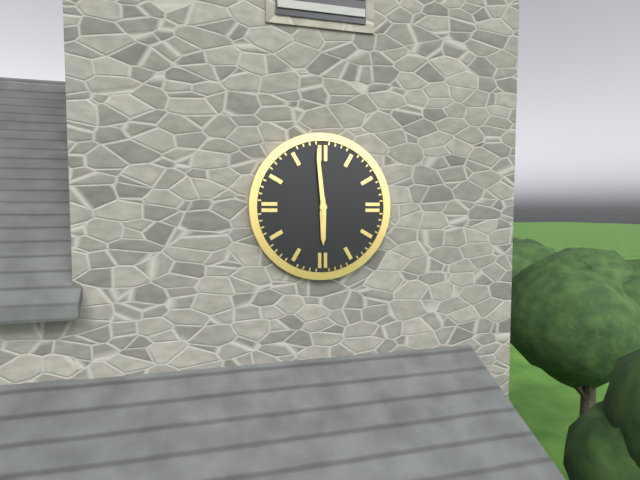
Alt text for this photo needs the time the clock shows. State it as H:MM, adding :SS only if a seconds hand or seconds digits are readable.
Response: 5:59
